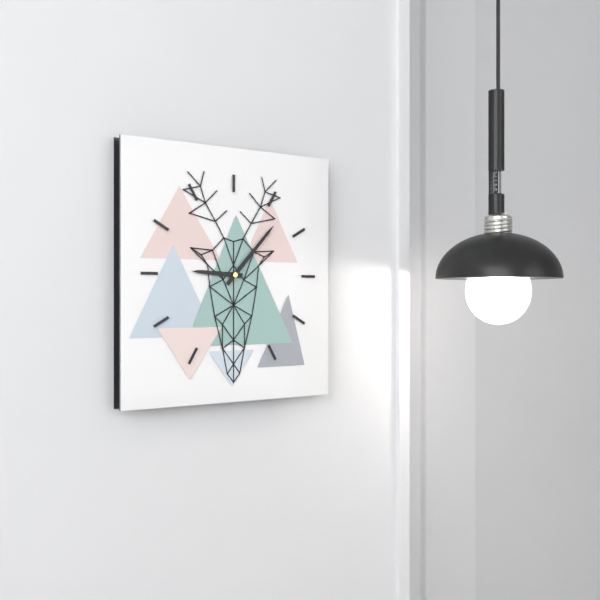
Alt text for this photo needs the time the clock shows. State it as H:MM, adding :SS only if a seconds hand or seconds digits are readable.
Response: 9:07
